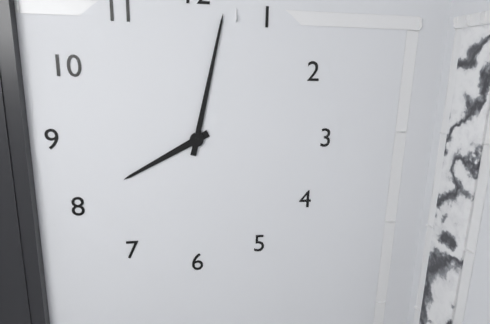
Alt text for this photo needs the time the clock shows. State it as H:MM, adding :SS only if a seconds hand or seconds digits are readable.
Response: 8:02
